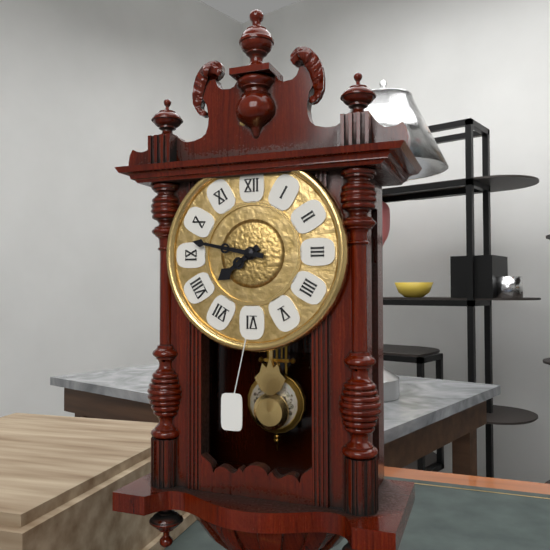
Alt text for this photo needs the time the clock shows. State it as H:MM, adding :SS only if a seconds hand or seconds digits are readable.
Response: 7:47
